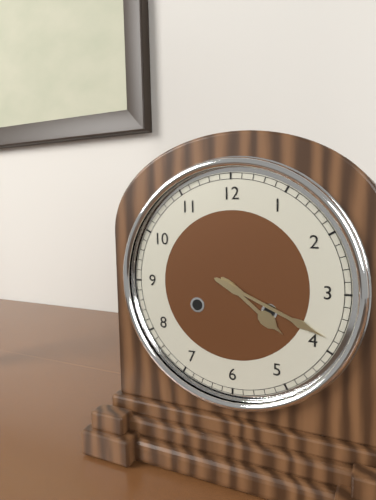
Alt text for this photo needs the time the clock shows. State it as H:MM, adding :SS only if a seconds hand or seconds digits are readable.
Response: 4:19
